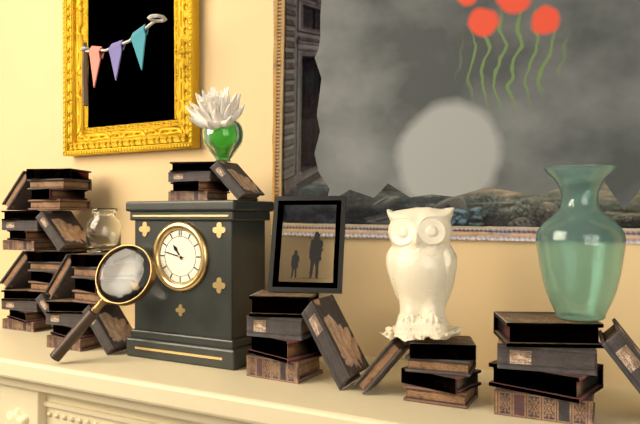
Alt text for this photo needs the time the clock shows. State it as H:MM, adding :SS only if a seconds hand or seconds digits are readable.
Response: 10:47
